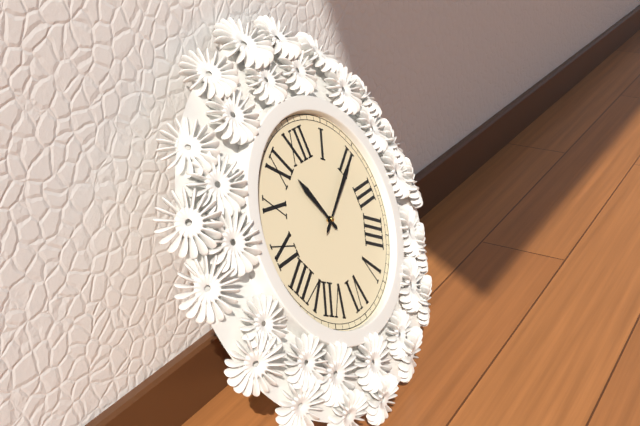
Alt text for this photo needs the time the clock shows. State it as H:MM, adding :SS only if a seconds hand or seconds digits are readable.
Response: 11:10
